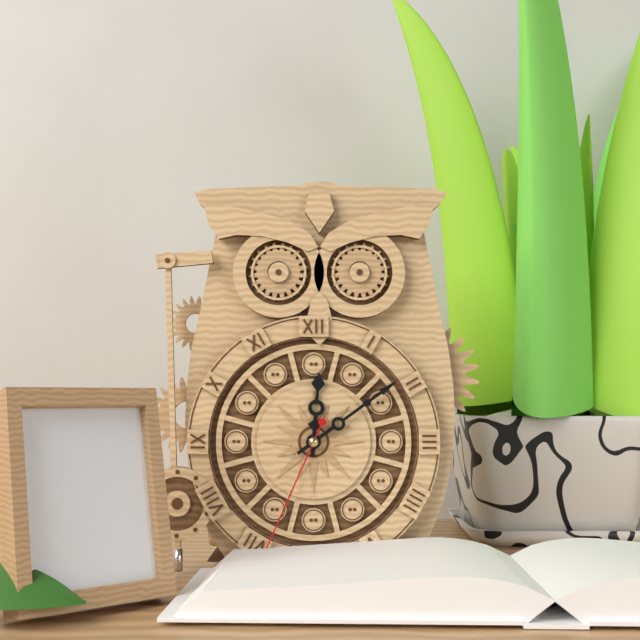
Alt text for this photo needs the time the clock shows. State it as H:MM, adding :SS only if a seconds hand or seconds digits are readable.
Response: 12:09:34
